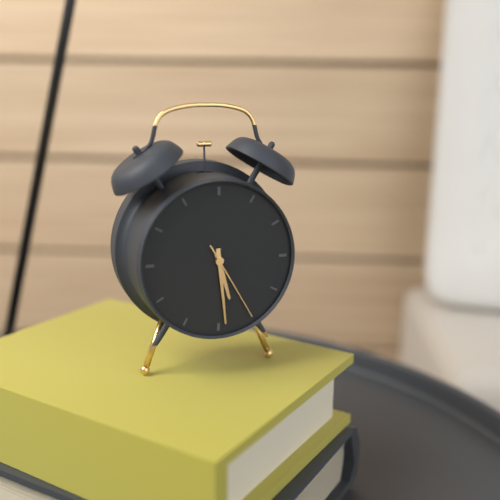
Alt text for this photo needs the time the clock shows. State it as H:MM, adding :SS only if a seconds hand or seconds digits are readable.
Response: 5:29:25
